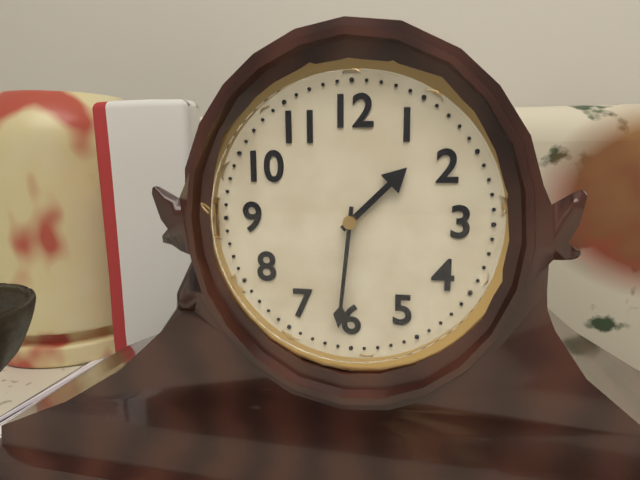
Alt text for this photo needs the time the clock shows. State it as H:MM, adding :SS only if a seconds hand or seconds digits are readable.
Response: 1:31
